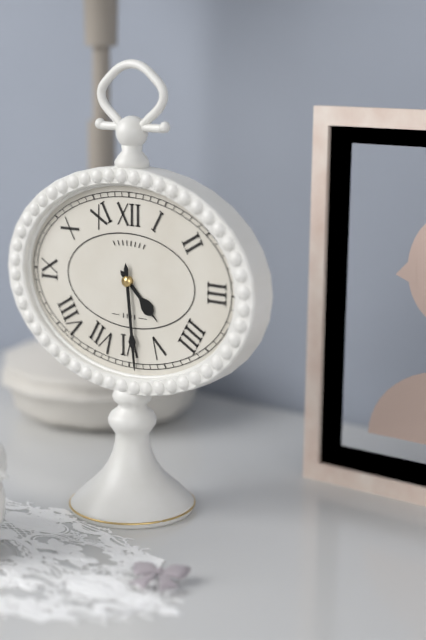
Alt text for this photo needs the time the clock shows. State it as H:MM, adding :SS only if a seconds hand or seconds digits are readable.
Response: 4:29
